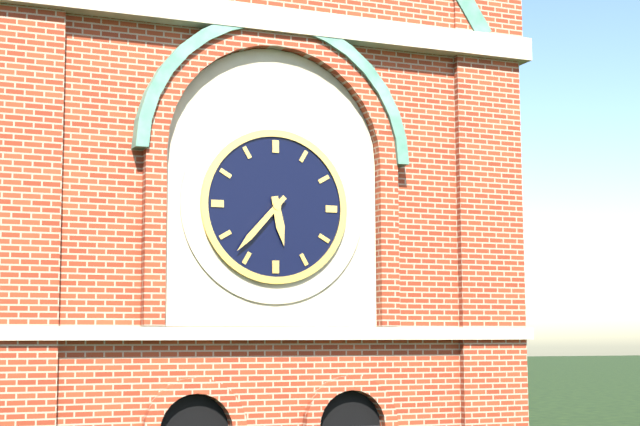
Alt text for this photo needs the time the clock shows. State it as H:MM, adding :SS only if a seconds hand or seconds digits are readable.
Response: 5:37
